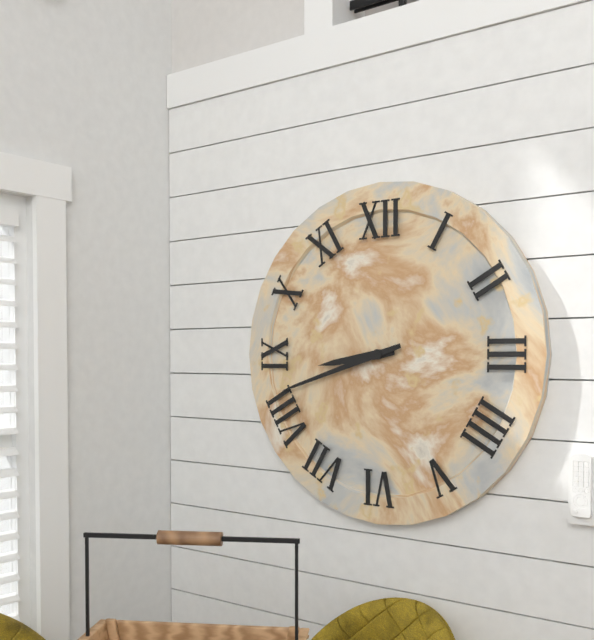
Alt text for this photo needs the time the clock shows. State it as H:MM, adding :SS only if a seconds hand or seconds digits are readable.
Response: 8:42
